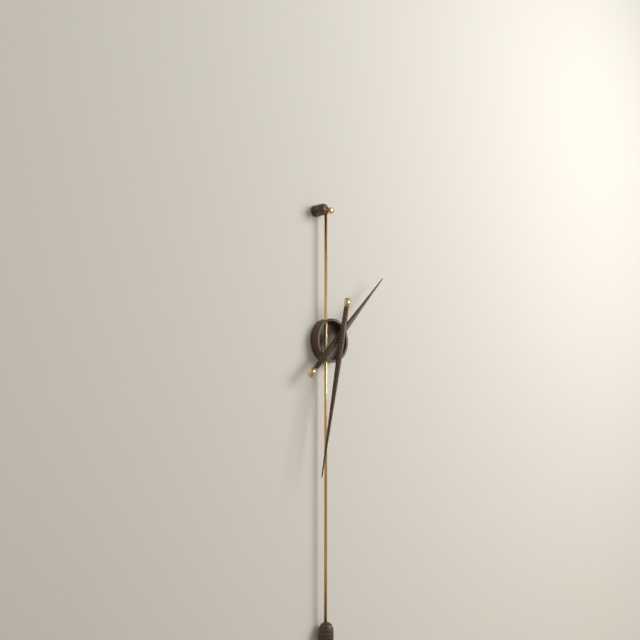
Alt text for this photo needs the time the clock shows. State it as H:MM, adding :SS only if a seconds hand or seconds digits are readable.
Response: 1:32
